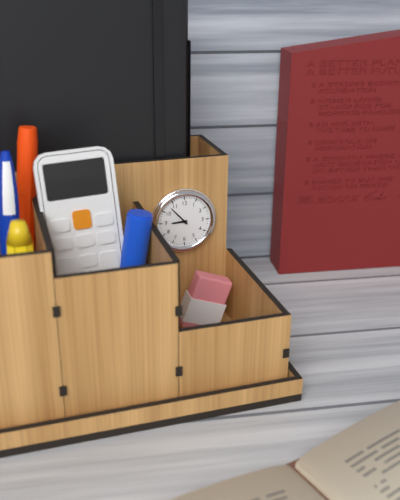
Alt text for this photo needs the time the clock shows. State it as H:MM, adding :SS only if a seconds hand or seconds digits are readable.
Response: 8:53
